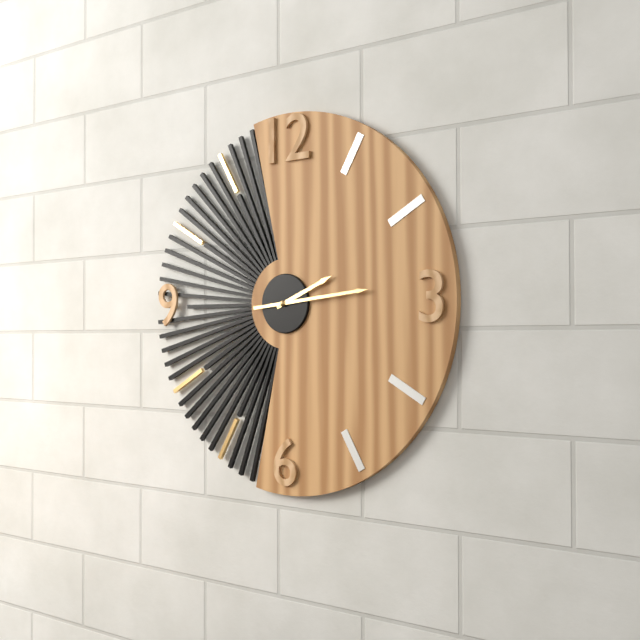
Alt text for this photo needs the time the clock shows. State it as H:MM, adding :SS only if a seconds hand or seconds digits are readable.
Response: 2:14
